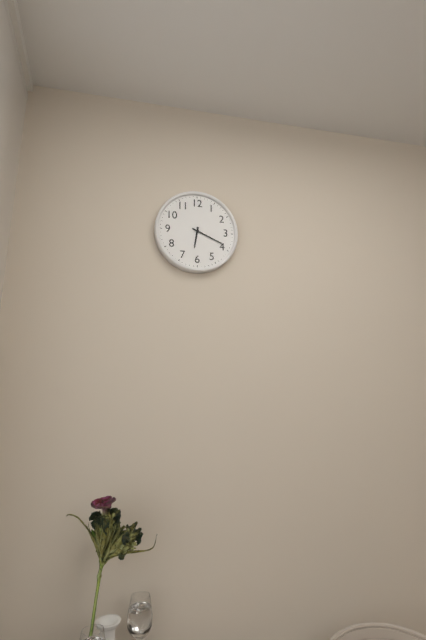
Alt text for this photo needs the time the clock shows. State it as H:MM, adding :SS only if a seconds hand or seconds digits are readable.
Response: 6:19
